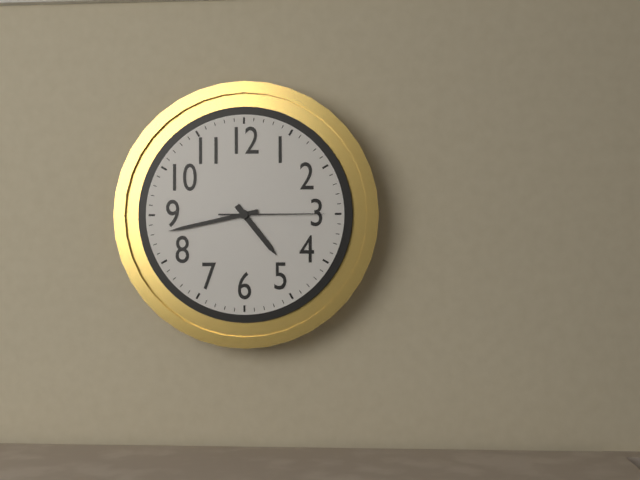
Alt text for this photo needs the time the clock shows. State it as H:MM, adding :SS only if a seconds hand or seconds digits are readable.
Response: 4:43:15
